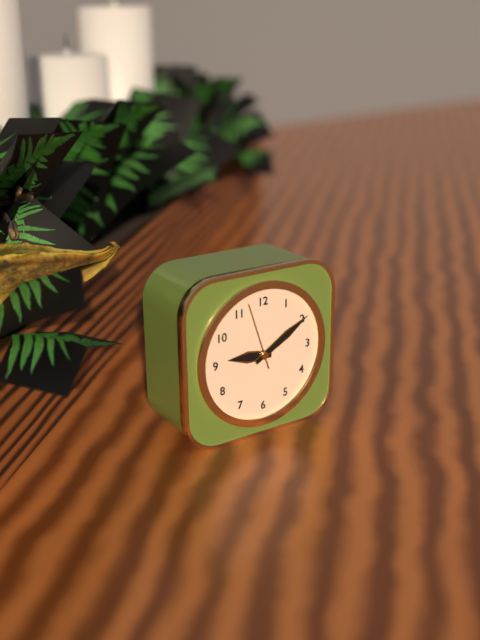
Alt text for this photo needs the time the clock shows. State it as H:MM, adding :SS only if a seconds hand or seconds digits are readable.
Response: 9:10:57
